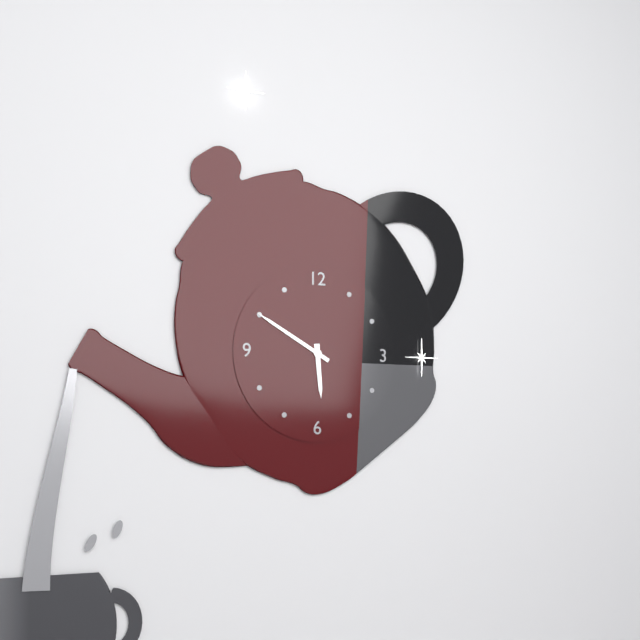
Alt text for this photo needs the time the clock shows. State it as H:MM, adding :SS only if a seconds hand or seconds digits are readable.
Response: 5:50
